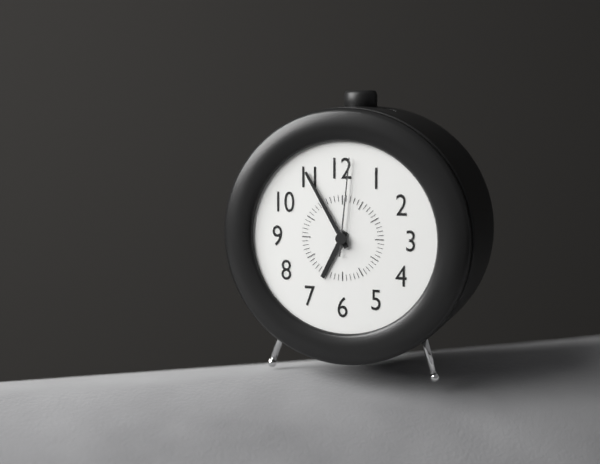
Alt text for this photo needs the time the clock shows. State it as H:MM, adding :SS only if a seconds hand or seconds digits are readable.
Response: 6:55:01
